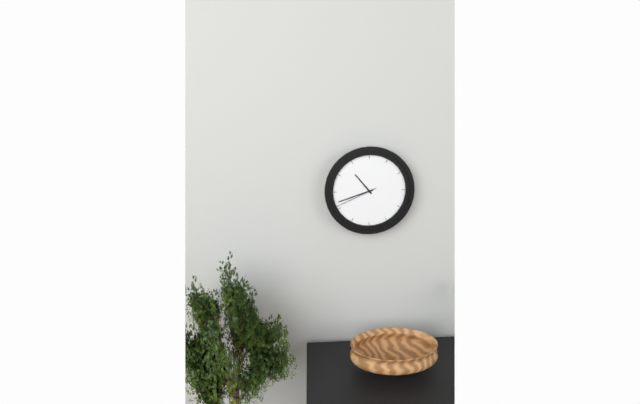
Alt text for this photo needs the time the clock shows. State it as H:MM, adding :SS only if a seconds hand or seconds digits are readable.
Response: 10:42
